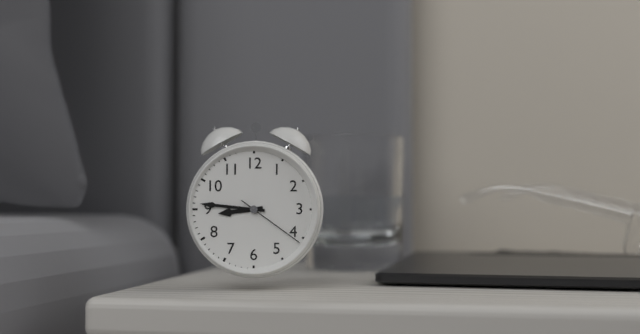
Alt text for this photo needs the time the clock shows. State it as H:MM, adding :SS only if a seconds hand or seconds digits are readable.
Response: 8:46:21
